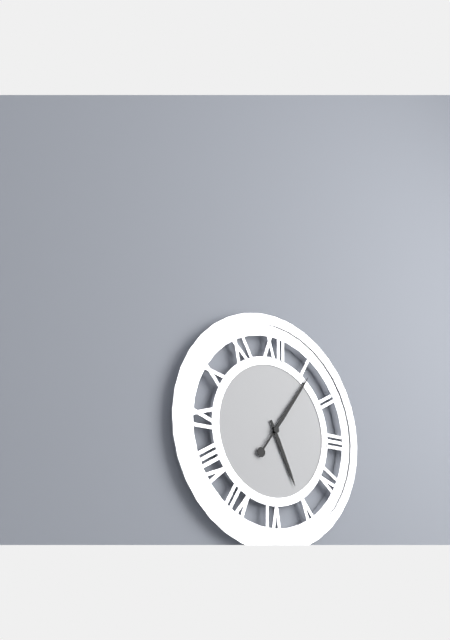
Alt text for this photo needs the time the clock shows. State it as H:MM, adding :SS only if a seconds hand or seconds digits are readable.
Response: 5:06
